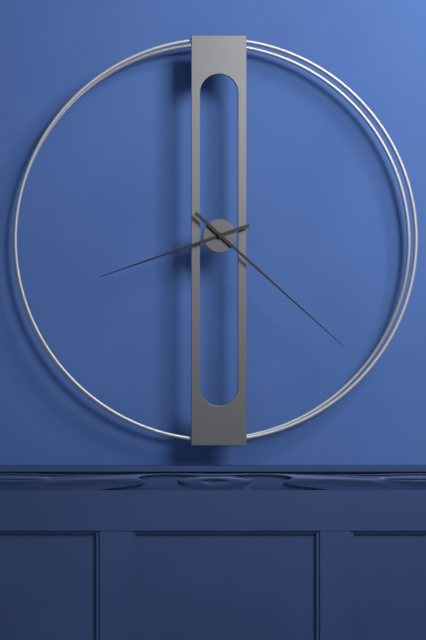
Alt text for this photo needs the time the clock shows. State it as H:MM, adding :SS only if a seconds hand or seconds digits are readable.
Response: 8:22
